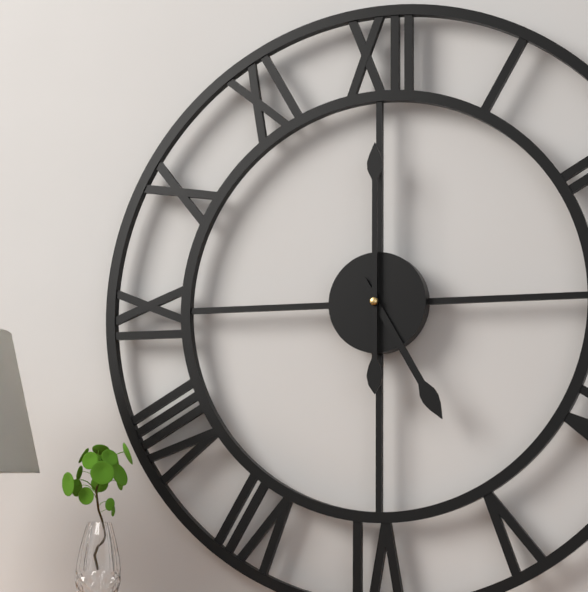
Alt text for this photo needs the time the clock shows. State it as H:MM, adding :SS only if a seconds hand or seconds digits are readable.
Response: 5:00
